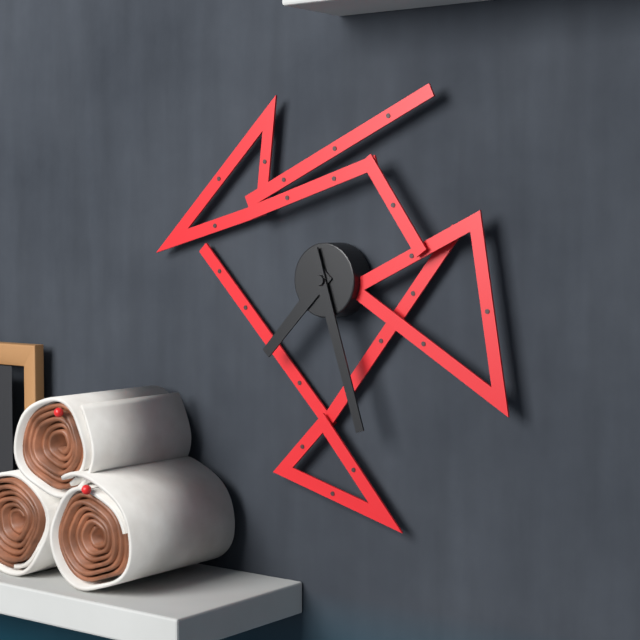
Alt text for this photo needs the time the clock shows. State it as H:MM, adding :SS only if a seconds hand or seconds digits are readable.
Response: 7:27
